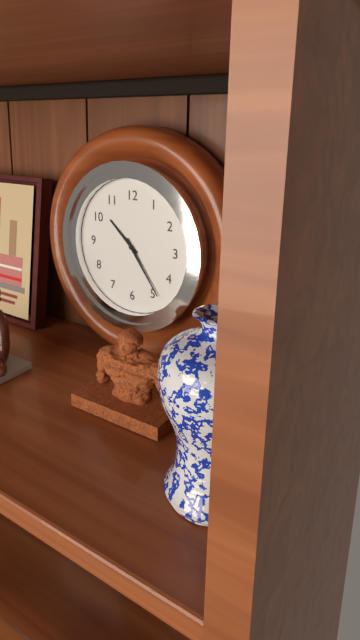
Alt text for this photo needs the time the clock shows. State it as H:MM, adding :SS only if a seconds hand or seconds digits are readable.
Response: 10:24
